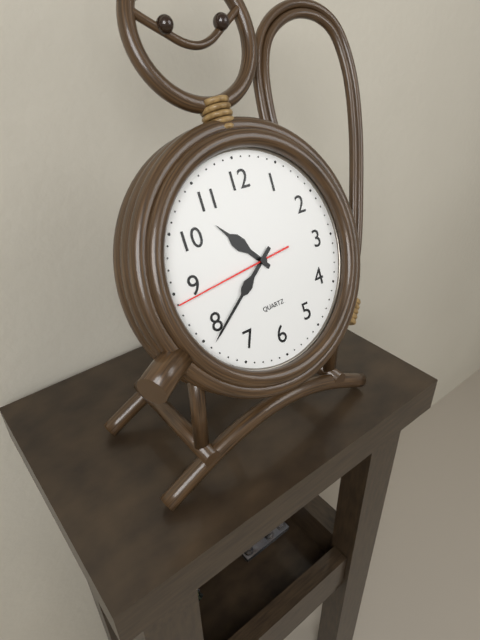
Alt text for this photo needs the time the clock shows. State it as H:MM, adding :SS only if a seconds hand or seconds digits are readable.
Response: 10:39:44
